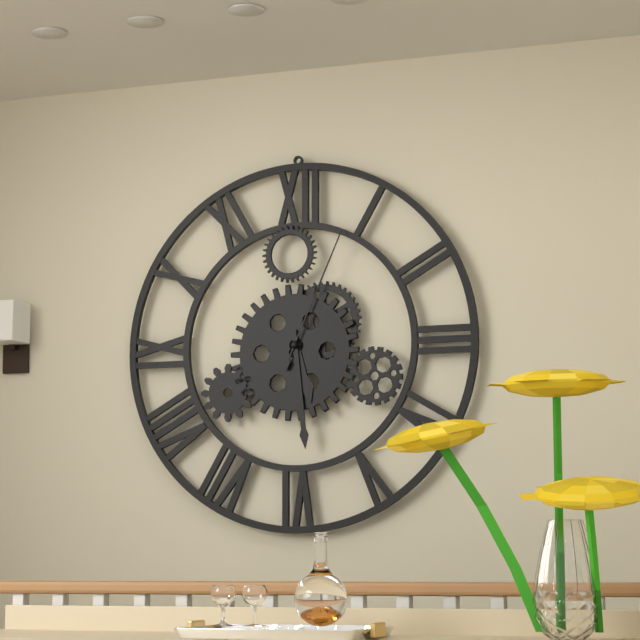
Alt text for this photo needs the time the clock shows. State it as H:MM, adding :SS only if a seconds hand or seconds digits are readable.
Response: 5:29:04
